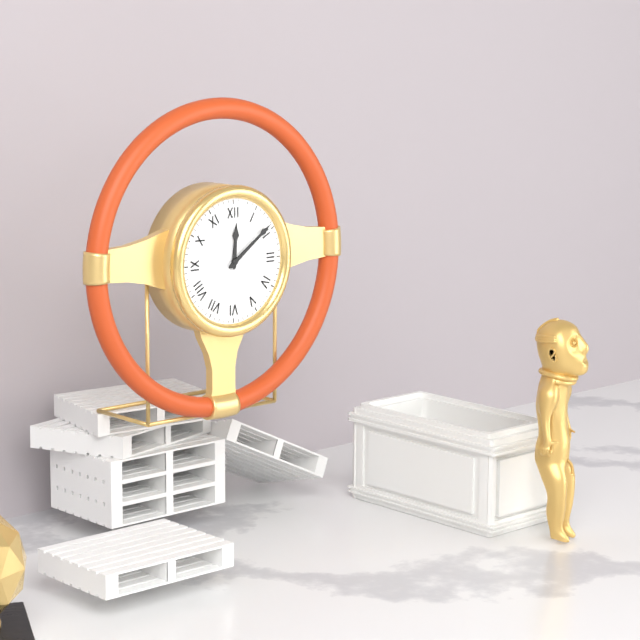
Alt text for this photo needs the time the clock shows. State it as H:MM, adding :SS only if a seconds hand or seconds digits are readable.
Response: 12:09
